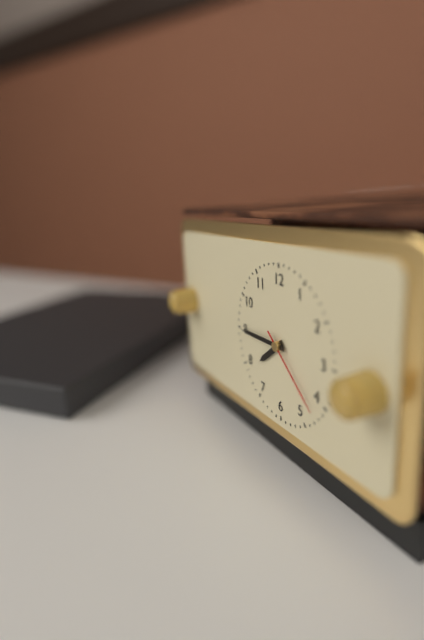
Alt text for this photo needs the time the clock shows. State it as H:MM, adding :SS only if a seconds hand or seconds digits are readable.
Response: 7:45:22
